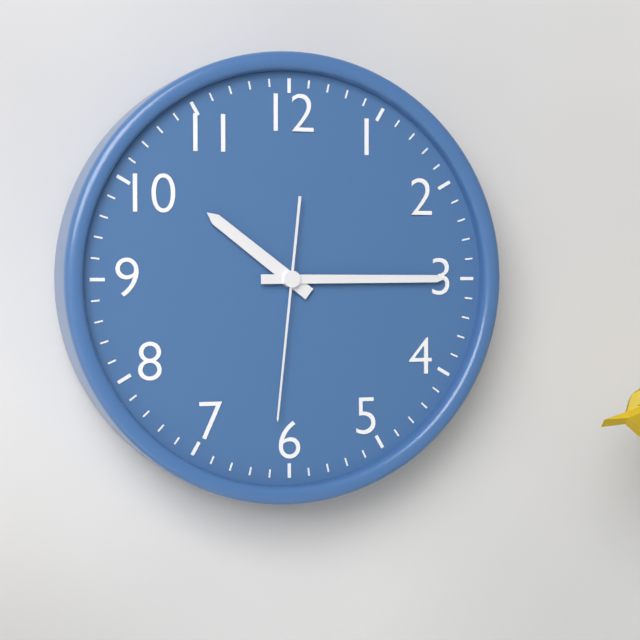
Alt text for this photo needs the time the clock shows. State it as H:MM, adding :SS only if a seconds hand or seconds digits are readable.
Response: 10:15:31
